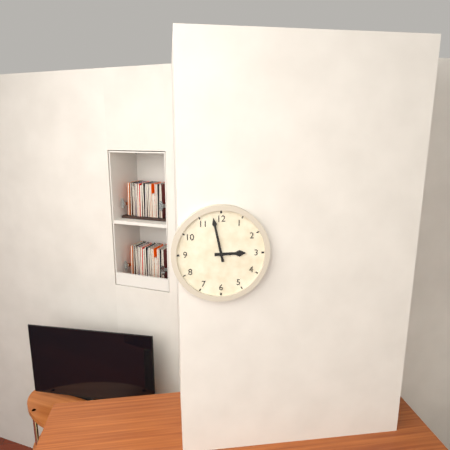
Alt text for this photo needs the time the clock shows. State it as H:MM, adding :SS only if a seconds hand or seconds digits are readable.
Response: 2:58
